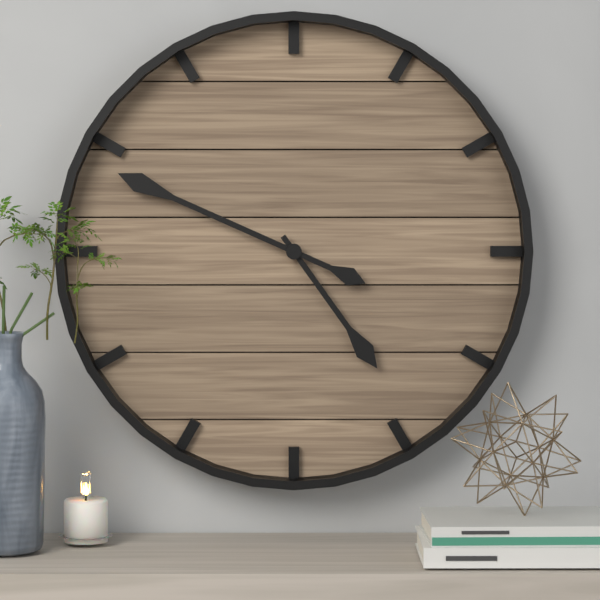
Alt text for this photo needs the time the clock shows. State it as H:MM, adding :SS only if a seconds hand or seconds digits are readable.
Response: 4:49
